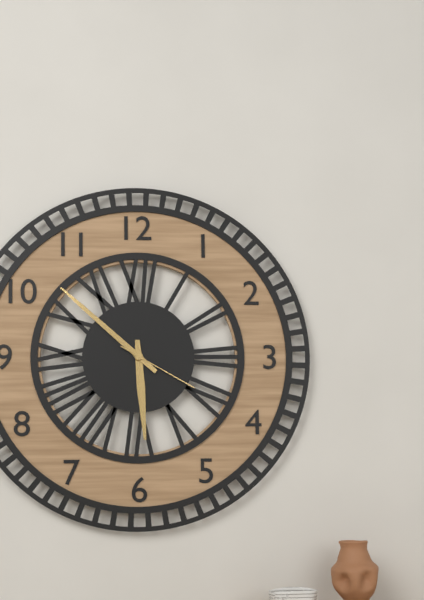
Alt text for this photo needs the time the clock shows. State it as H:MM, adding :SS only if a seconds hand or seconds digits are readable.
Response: 5:52:20
